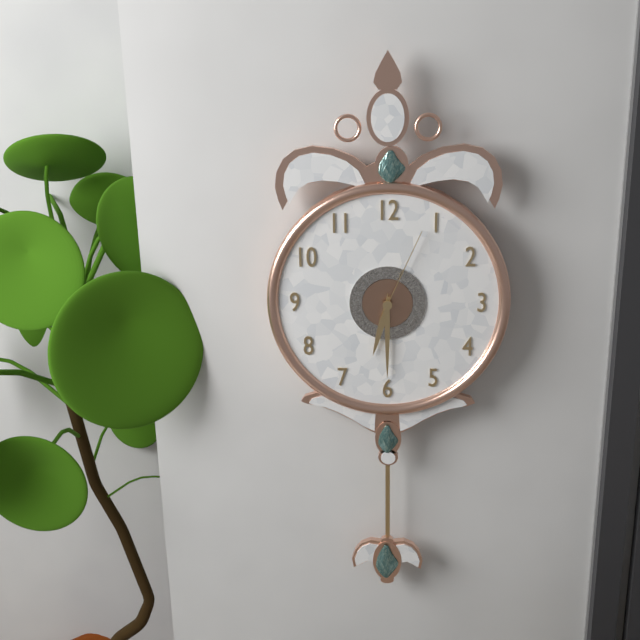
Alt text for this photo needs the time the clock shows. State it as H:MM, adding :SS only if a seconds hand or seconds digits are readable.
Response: 6:30:04
